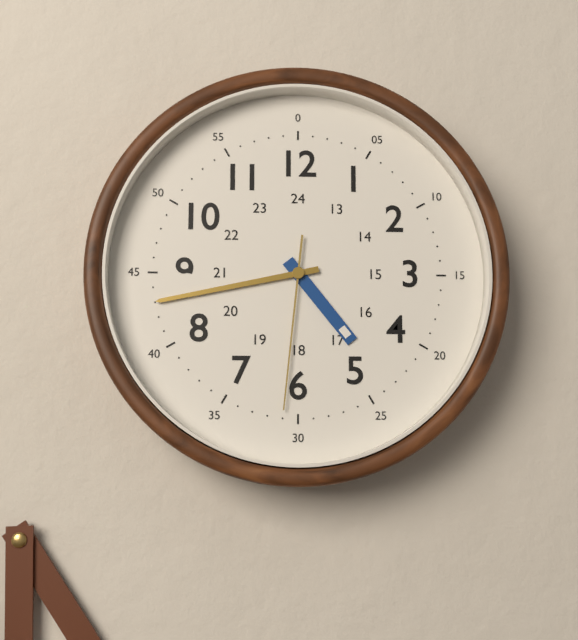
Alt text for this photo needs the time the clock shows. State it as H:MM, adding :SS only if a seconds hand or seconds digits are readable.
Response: 4:43:31
